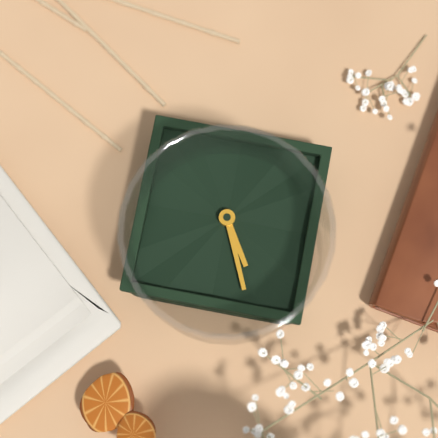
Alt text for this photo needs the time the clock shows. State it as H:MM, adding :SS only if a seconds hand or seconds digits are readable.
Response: 10:56
